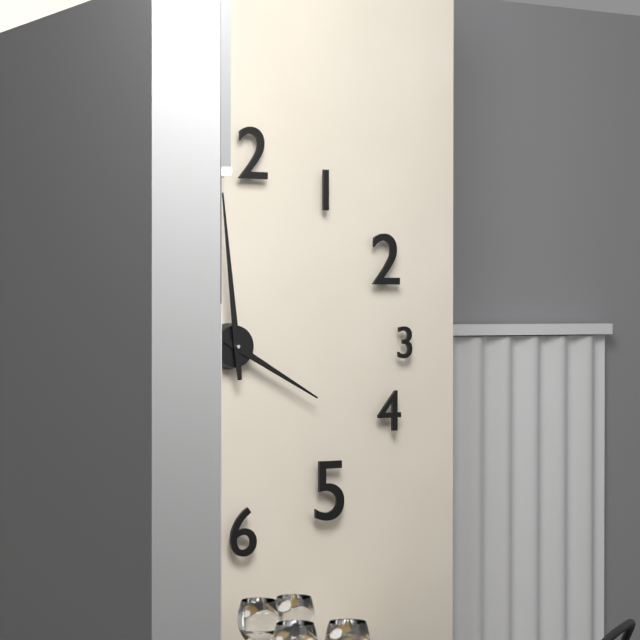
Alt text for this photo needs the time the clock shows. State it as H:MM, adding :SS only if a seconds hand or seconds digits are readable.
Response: 3:59
